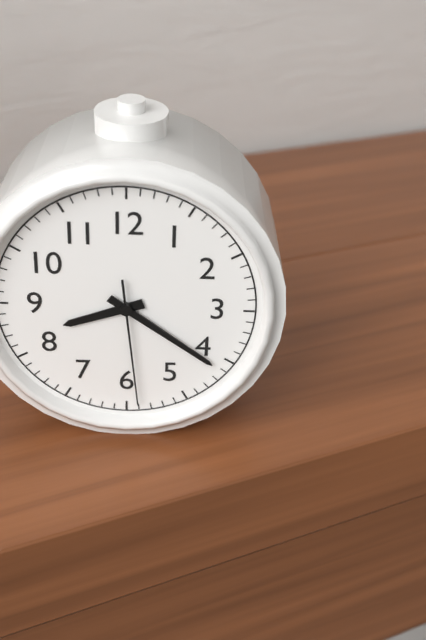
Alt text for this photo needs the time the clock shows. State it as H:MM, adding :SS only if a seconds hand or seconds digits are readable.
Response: 8:21:29
